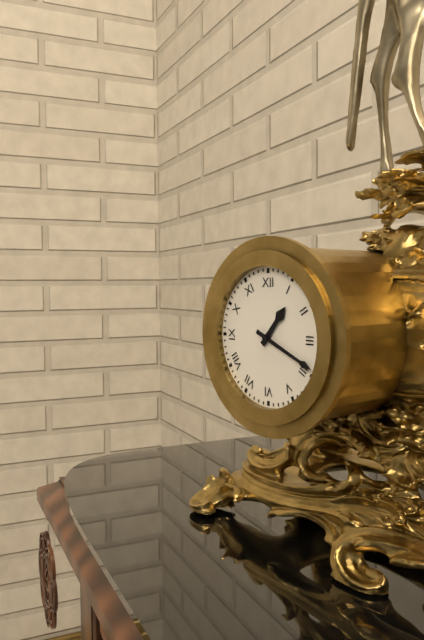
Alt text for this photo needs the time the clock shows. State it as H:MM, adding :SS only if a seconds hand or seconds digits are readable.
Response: 1:19
